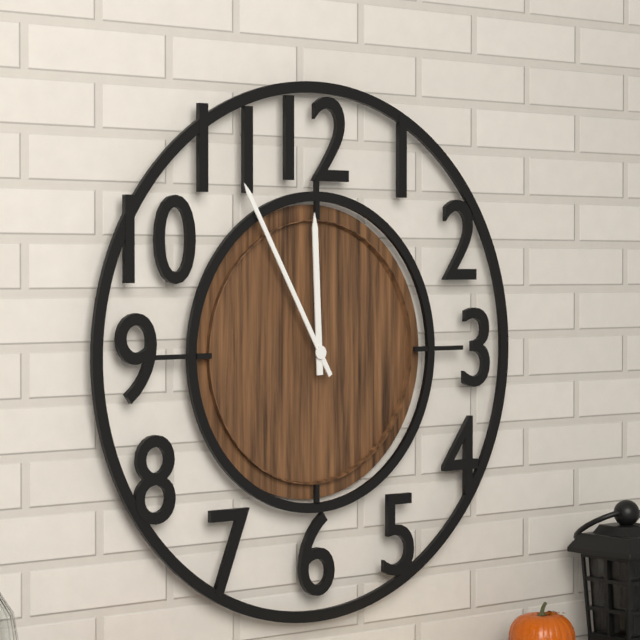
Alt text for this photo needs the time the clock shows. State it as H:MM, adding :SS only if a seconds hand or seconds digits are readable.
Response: 11:55
